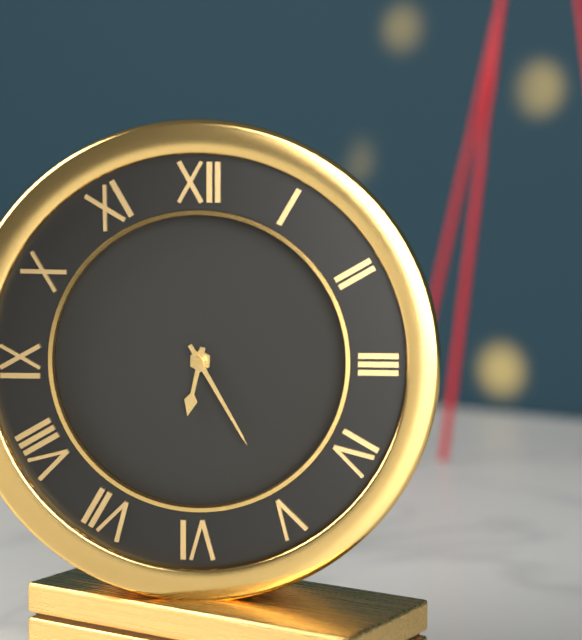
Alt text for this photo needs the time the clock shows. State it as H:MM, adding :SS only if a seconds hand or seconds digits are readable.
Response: 6:25
